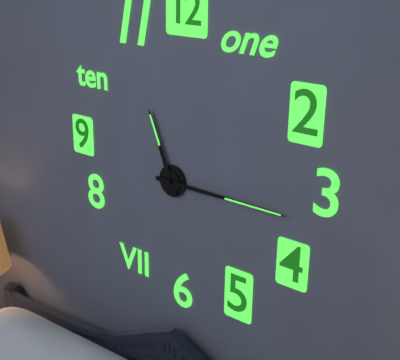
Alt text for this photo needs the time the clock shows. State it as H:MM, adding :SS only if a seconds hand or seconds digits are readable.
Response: 11:15
